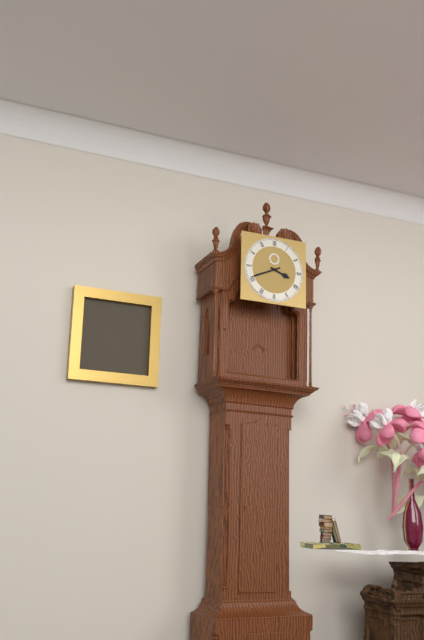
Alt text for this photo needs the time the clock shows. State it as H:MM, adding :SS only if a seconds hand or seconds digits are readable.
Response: 3:41
